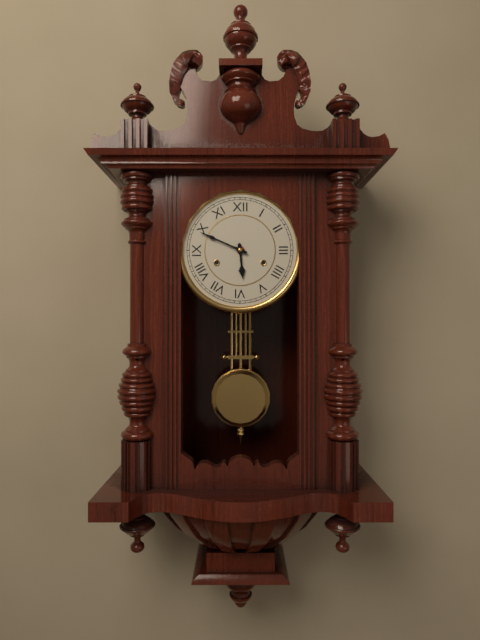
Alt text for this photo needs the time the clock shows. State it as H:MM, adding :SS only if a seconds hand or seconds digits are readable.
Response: 5:49
